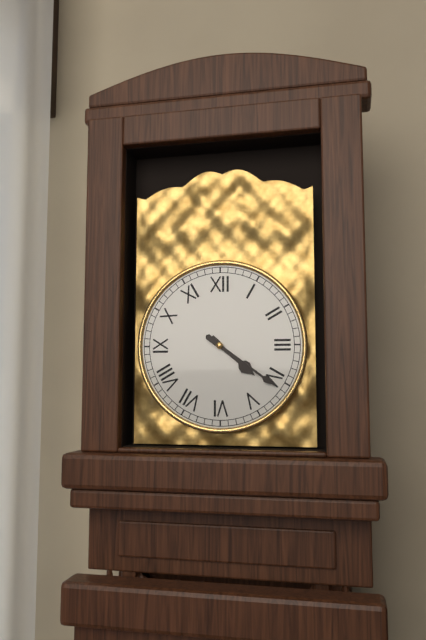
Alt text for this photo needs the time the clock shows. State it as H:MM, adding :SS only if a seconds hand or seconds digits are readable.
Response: 4:21
